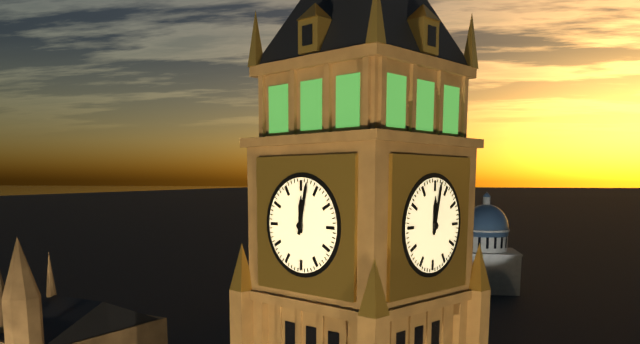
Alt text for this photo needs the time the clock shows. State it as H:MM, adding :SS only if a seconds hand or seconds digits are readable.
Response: 12:02
